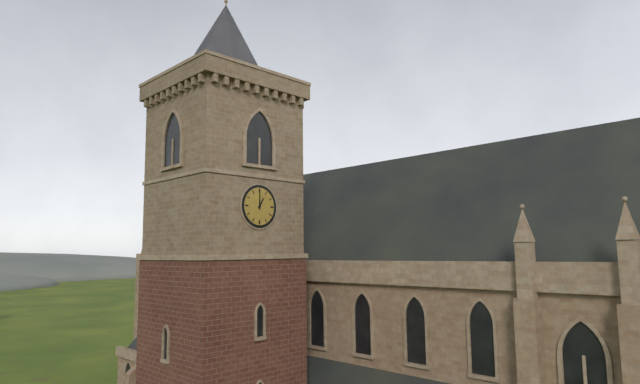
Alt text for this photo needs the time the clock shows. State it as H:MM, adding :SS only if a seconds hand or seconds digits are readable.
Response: 1:00
